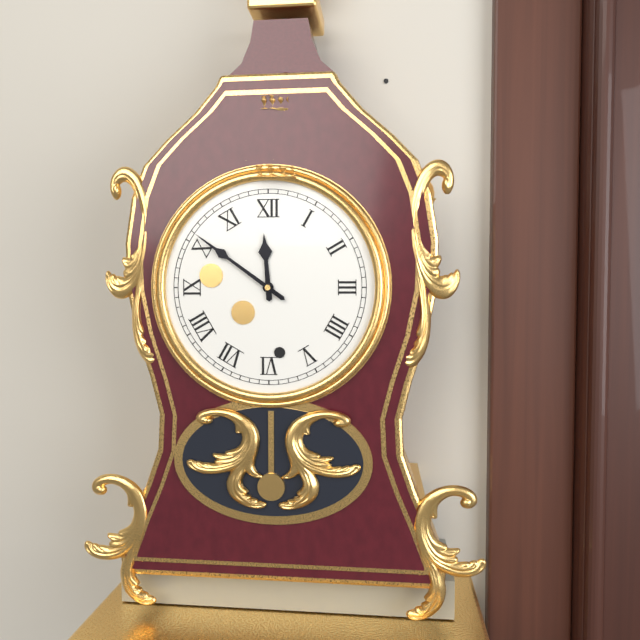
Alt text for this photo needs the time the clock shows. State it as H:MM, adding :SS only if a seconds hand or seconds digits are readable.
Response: 11:51
